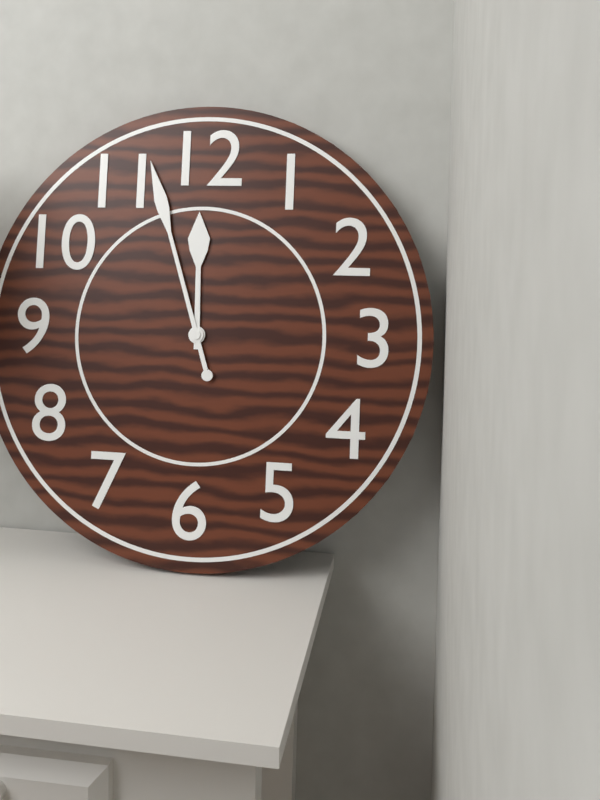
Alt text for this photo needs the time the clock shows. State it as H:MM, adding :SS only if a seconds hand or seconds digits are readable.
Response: 11:57
